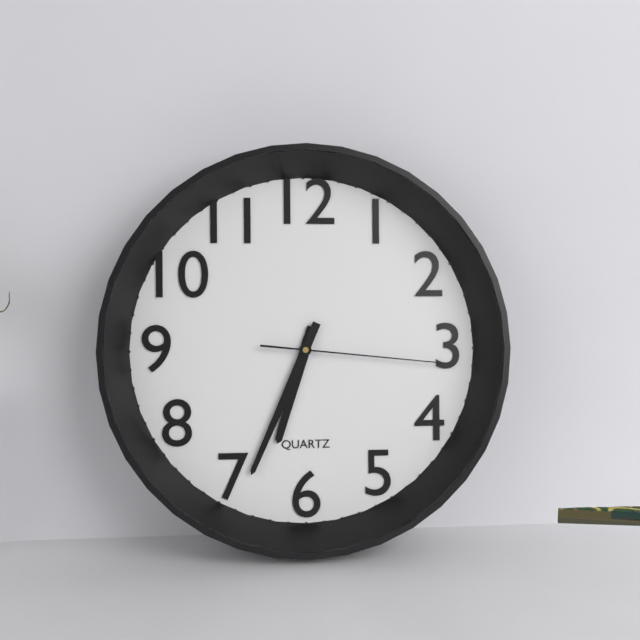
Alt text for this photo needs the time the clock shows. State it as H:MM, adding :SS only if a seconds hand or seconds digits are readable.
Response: 6:34:16
